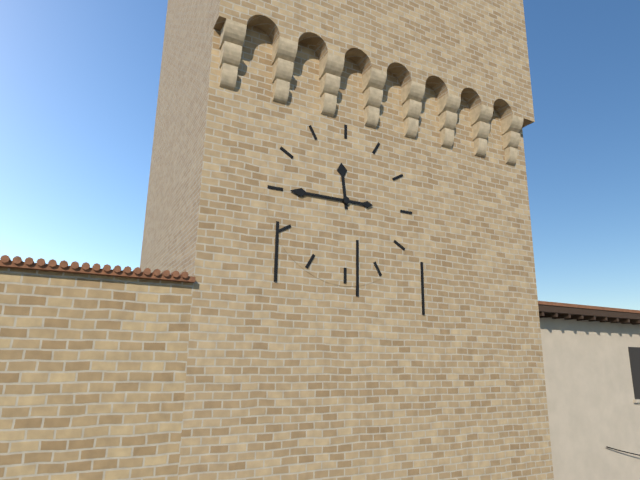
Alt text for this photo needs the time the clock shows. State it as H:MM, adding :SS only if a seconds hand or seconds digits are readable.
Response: 11:45
